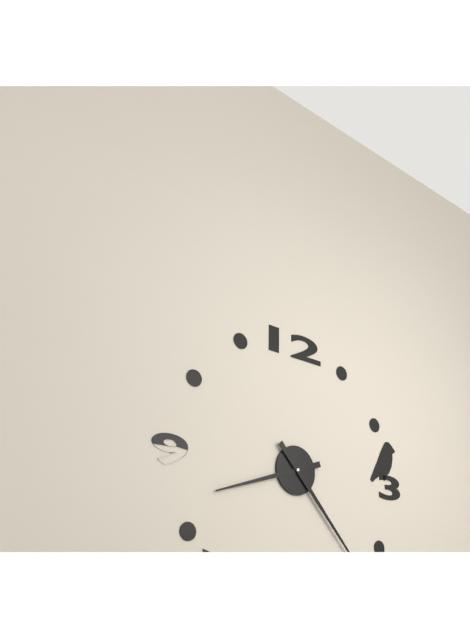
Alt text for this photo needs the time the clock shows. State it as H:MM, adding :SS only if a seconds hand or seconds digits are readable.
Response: 8:23
